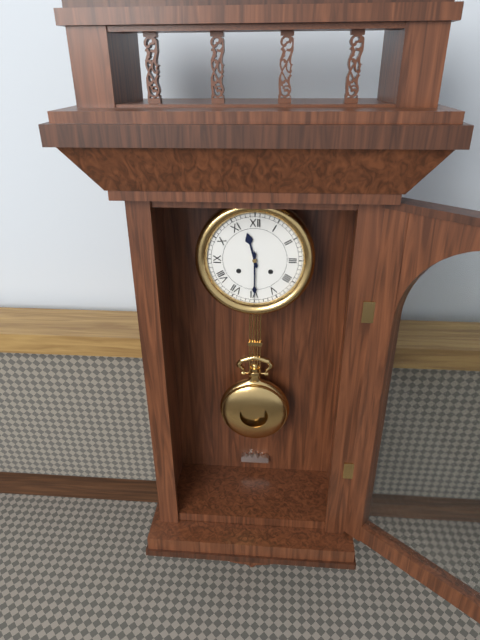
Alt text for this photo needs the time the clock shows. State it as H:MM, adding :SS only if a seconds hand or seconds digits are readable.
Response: 11:30
